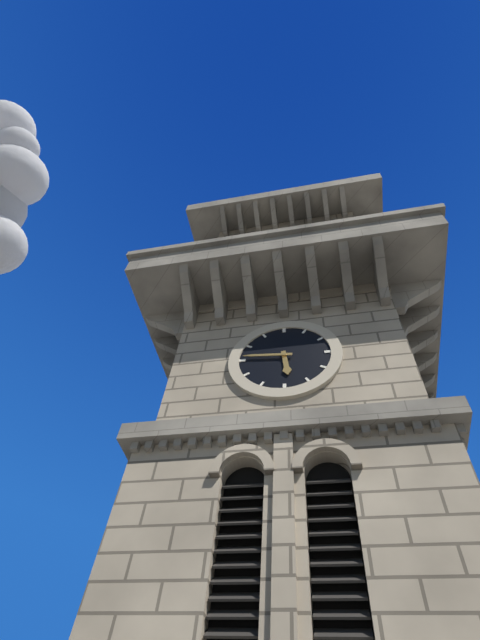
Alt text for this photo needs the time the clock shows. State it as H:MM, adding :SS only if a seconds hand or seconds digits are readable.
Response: 5:46
